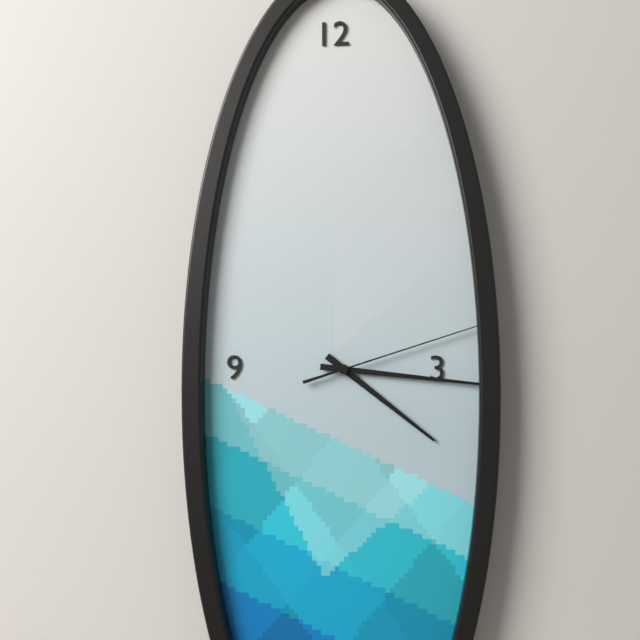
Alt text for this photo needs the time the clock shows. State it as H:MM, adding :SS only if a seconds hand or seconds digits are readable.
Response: 4:16:12
